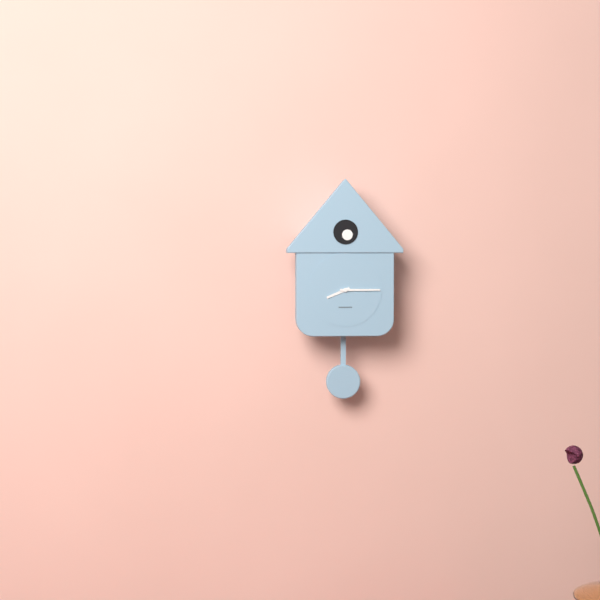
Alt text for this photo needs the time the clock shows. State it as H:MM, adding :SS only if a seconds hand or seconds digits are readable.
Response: 8:15
